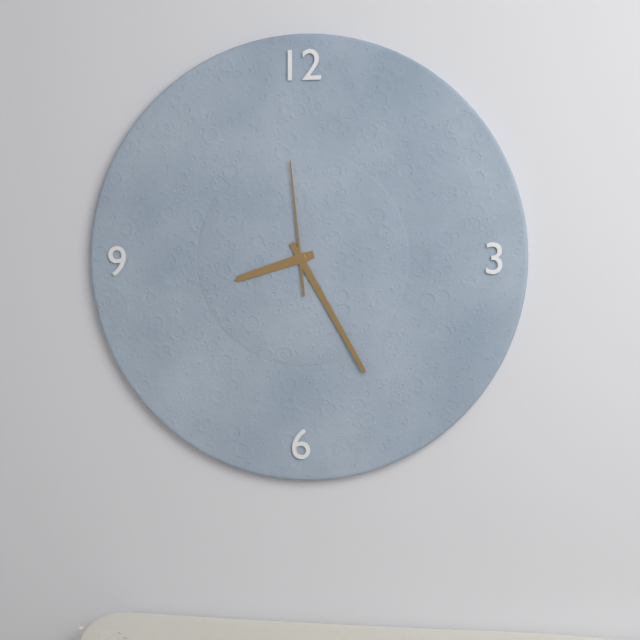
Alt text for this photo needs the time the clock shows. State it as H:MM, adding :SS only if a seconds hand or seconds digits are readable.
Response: 8:25:59
